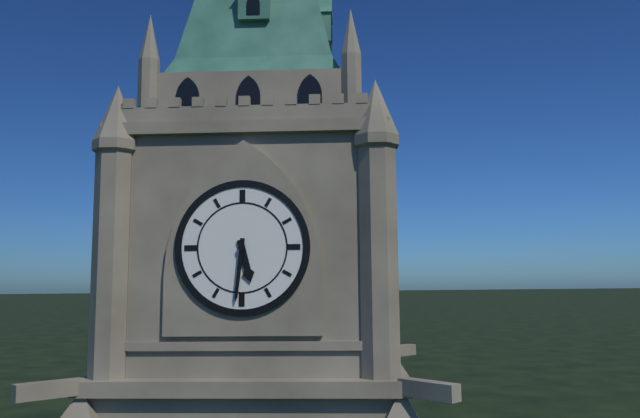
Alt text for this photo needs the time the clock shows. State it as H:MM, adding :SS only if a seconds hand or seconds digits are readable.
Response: 5:31
